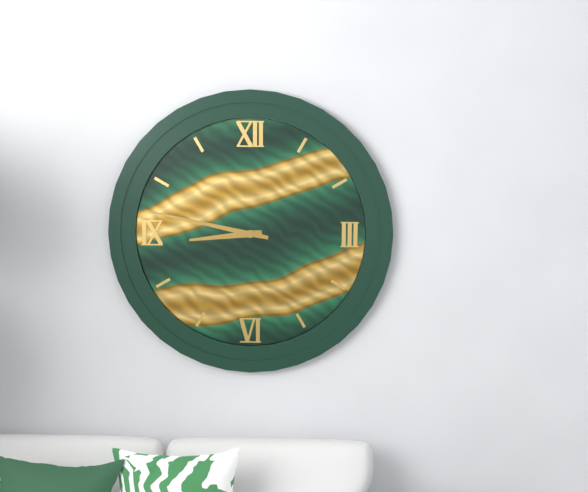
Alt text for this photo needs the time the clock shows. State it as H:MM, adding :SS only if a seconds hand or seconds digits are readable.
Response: 8:47
